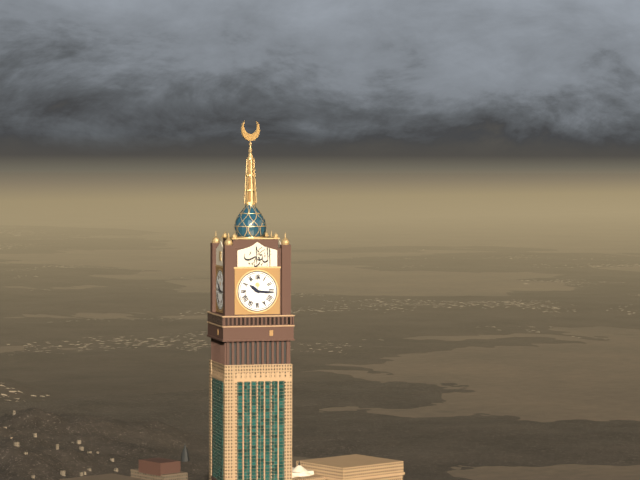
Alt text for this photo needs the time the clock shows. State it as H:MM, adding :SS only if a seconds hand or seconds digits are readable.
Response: 10:16
